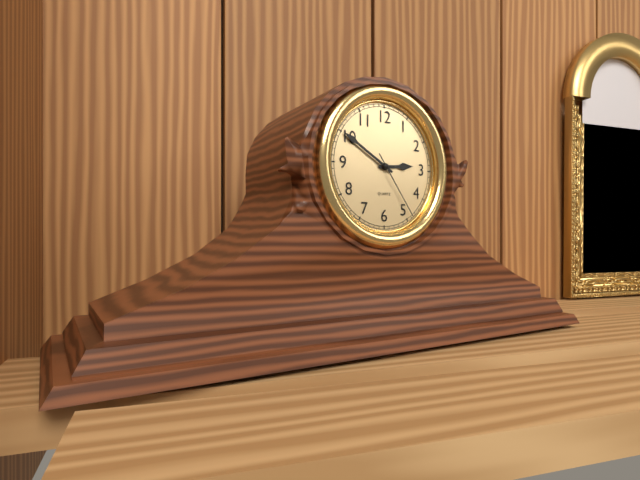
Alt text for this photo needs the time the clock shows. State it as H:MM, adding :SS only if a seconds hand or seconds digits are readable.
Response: 2:50:24
